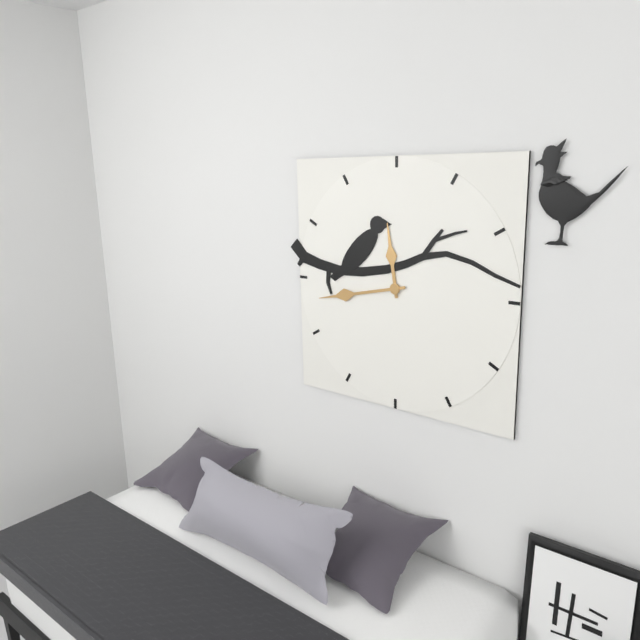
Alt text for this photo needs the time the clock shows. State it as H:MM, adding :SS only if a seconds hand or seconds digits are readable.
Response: 11:43
